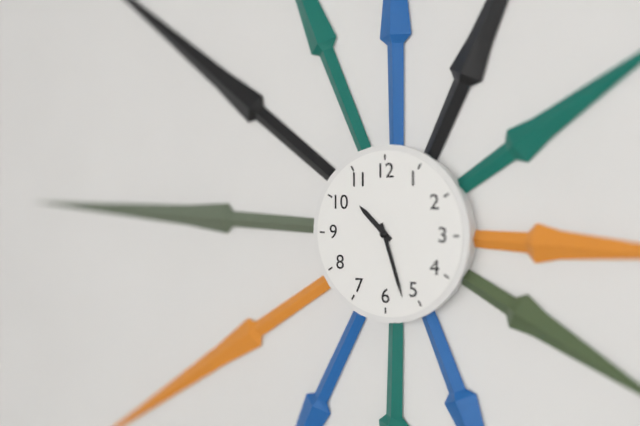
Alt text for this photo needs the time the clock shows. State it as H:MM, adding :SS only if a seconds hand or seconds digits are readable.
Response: 10:27
